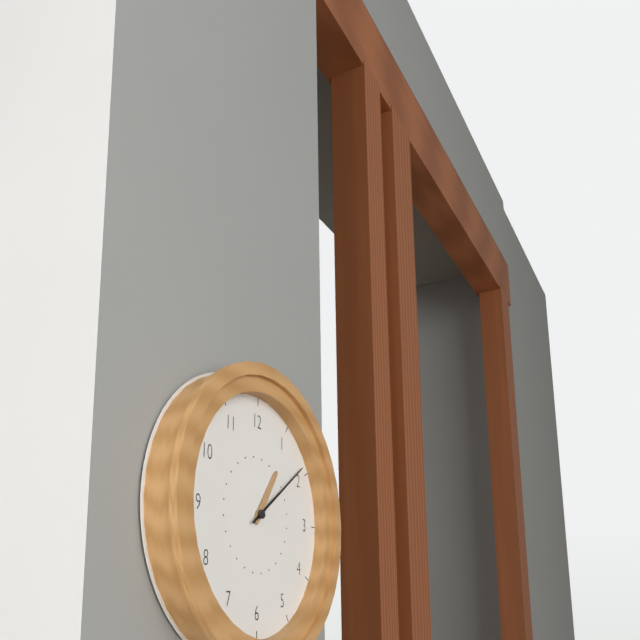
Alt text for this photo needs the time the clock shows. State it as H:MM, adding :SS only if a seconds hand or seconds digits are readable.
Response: 1:09
